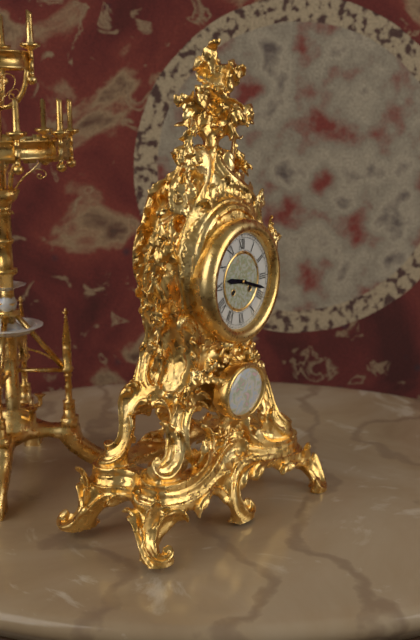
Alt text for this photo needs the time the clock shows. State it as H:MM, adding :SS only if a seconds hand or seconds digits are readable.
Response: 9:18
